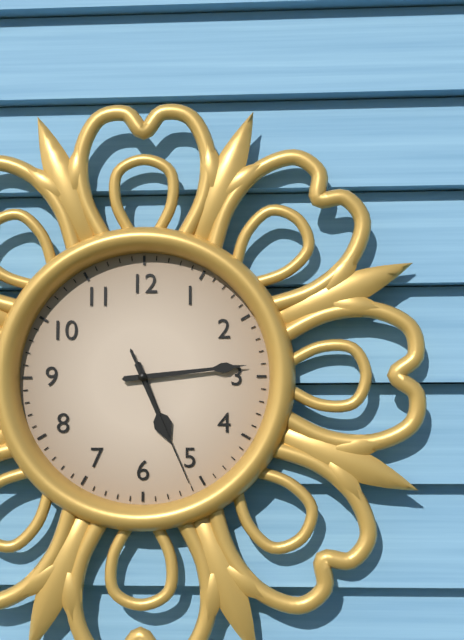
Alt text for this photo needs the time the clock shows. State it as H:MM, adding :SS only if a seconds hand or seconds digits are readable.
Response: 5:14:26
